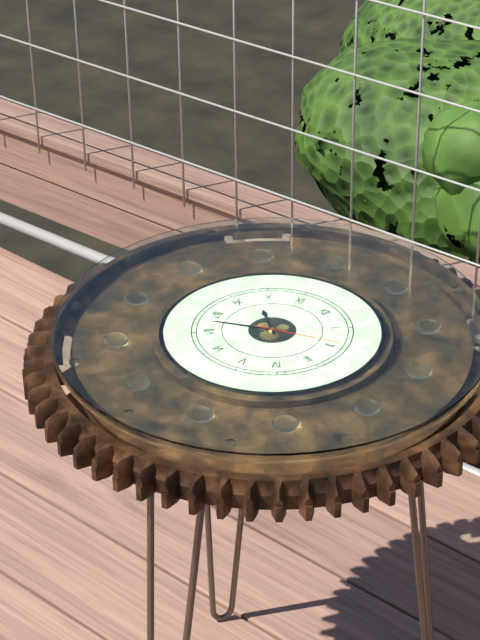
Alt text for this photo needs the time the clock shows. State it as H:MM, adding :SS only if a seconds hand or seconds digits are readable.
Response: 9:38:09
